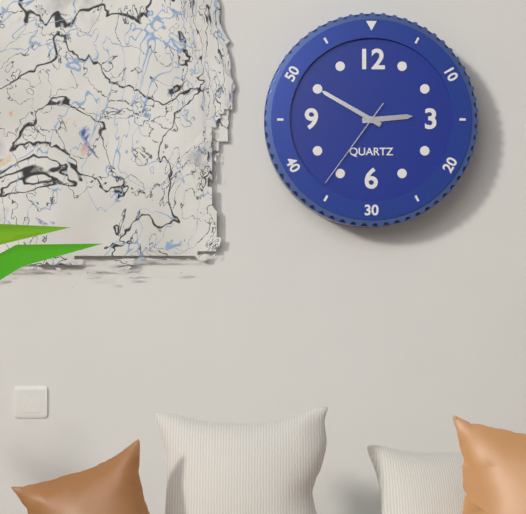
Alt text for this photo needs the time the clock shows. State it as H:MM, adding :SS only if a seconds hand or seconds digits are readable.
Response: 2:50:36
